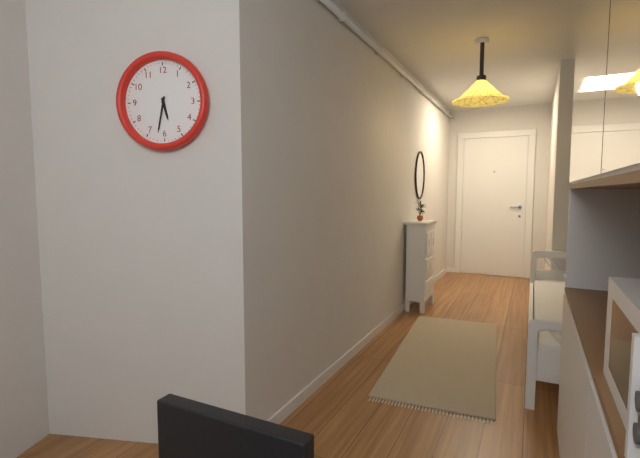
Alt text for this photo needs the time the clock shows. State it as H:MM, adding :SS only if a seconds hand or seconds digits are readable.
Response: 5:32
